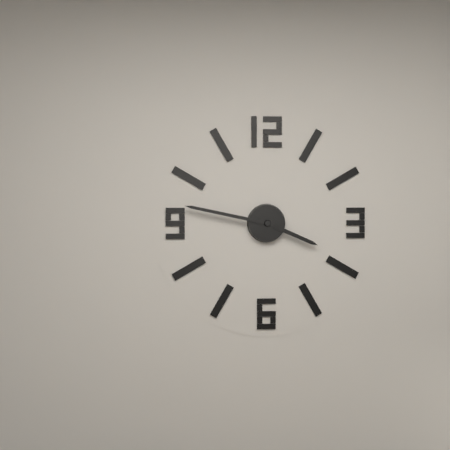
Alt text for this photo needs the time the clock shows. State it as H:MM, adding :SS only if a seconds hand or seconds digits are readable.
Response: 3:47
